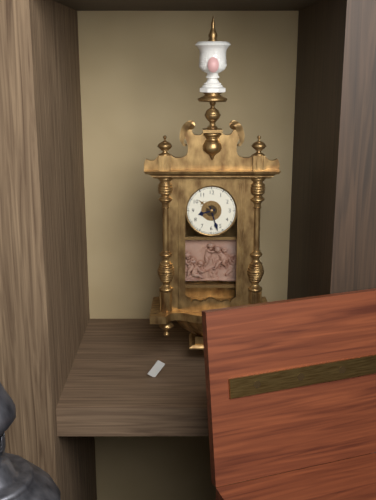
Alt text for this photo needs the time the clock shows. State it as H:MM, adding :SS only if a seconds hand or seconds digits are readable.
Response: 8:27
